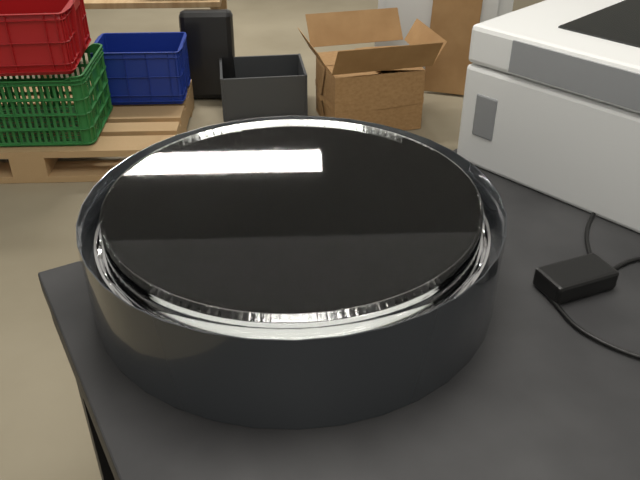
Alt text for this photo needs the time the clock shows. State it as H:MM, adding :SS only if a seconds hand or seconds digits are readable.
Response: 5:23
